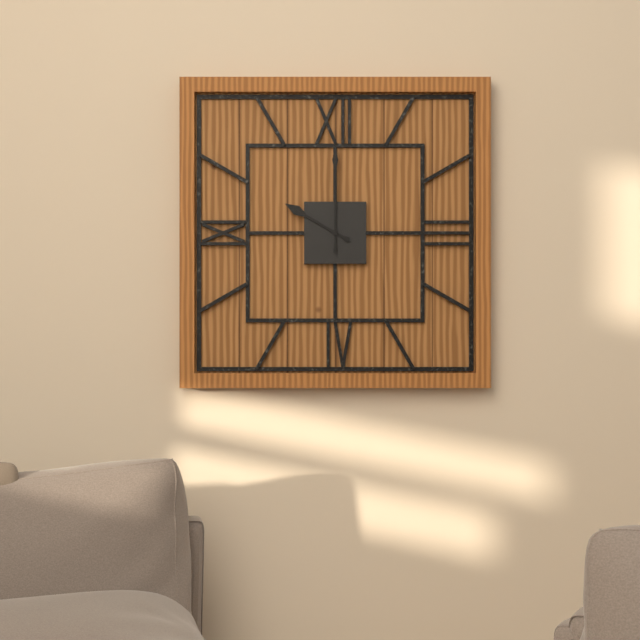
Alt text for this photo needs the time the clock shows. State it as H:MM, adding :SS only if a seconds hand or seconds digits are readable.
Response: 10:00
